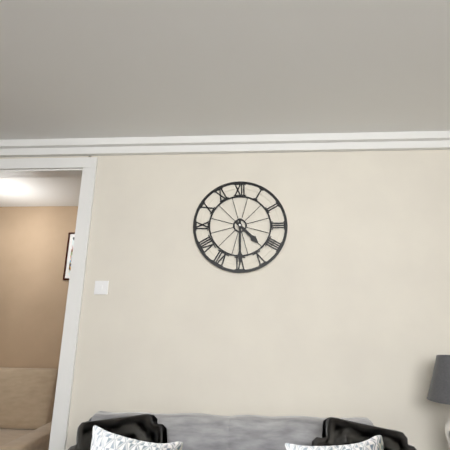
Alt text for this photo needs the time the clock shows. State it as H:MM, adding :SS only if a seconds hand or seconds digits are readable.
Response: 4:30
